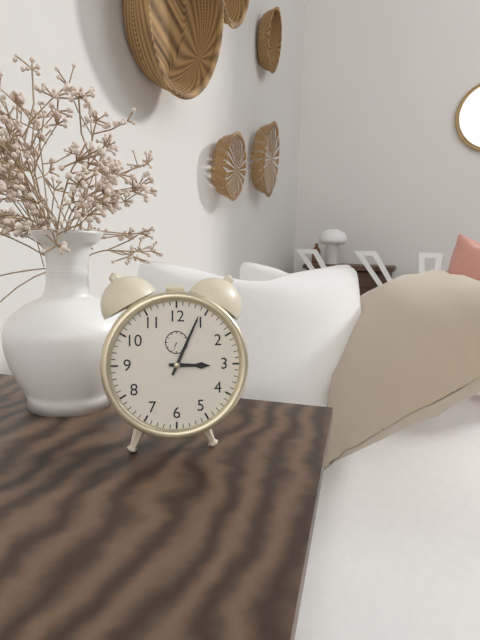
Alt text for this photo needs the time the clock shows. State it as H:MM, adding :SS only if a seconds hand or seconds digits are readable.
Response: 3:04
